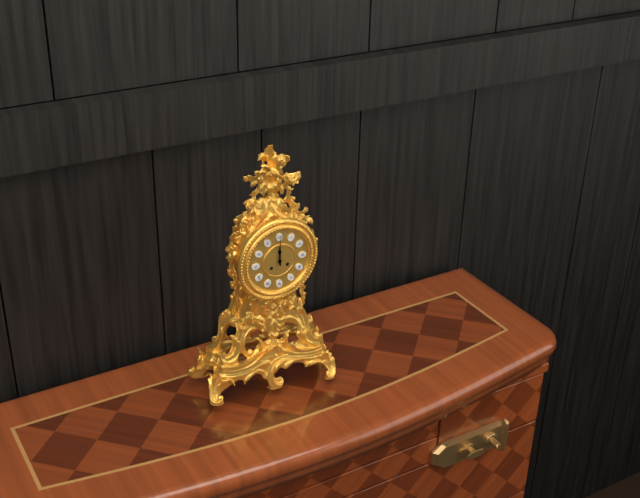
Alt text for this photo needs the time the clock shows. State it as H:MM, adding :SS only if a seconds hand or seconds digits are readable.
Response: 12:00
